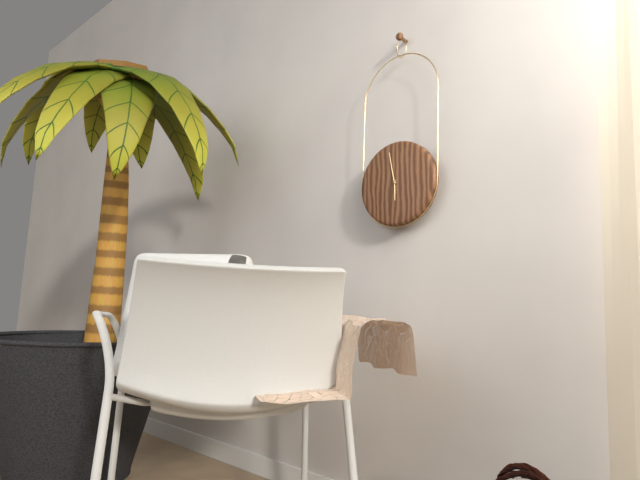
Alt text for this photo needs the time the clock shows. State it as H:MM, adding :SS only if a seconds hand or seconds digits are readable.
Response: 5:58
